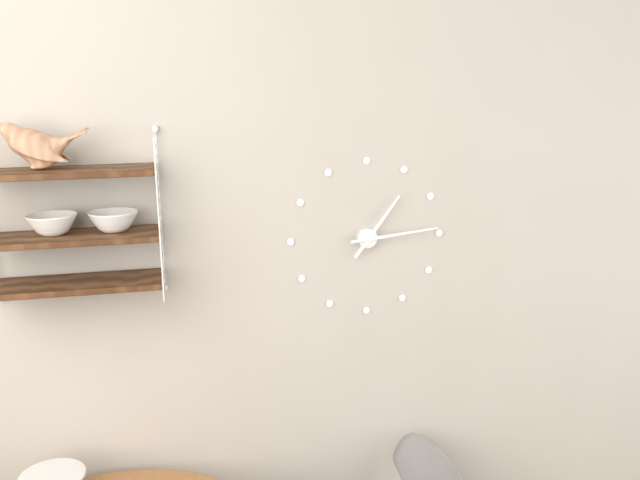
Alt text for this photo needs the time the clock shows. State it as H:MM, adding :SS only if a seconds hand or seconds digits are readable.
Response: 1:14
